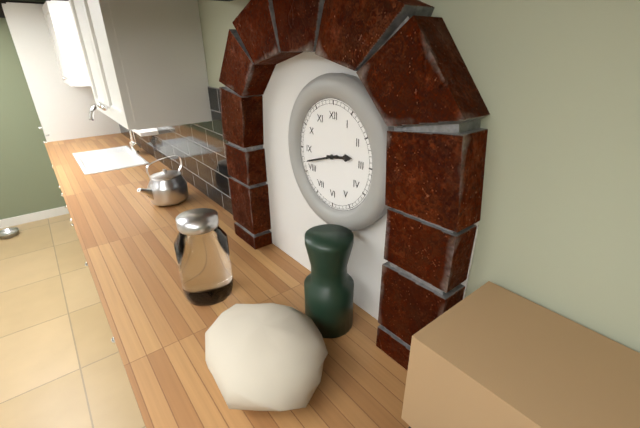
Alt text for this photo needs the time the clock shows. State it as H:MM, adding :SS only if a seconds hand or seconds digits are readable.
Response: 2:42
